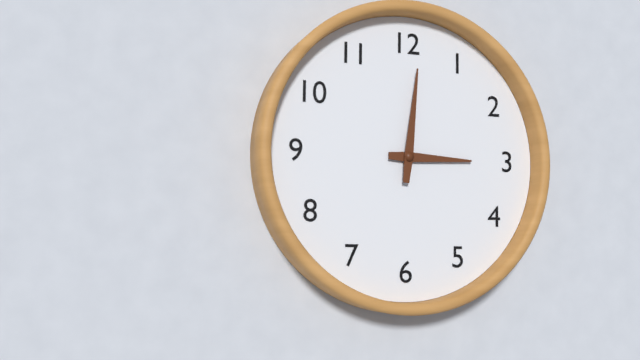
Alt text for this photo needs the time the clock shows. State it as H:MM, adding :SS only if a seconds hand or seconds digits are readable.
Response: 3:01
